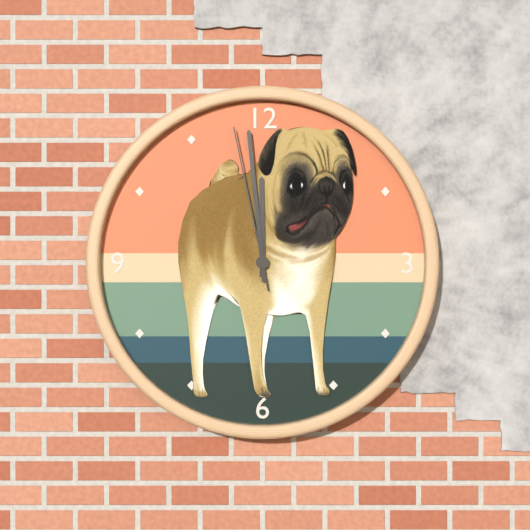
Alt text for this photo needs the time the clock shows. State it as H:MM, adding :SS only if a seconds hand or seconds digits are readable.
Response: 11:59:58
